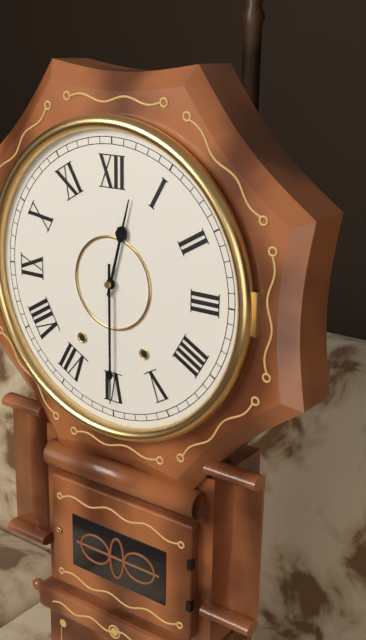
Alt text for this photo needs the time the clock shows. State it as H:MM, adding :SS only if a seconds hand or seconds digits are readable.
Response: 12:30
